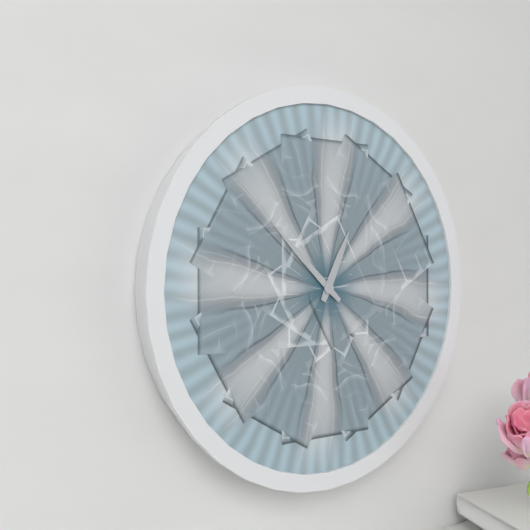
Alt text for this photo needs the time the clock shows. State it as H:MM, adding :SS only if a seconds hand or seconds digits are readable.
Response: 12:52
